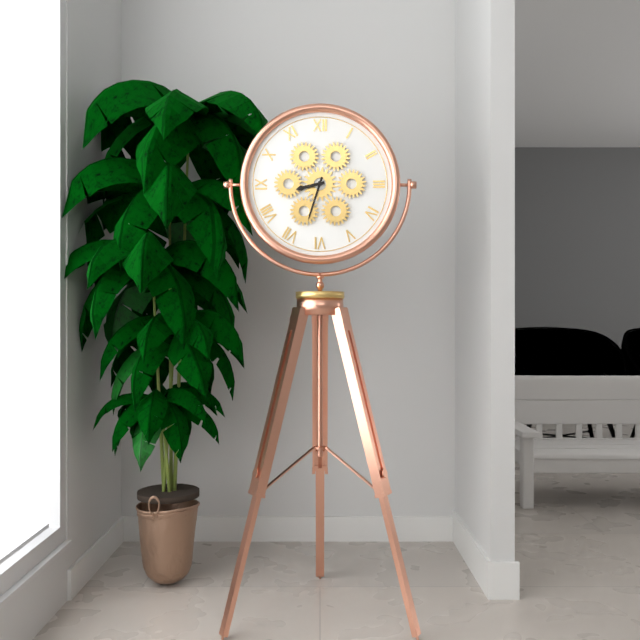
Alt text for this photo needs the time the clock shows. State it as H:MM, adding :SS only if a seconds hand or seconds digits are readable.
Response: 8:33
